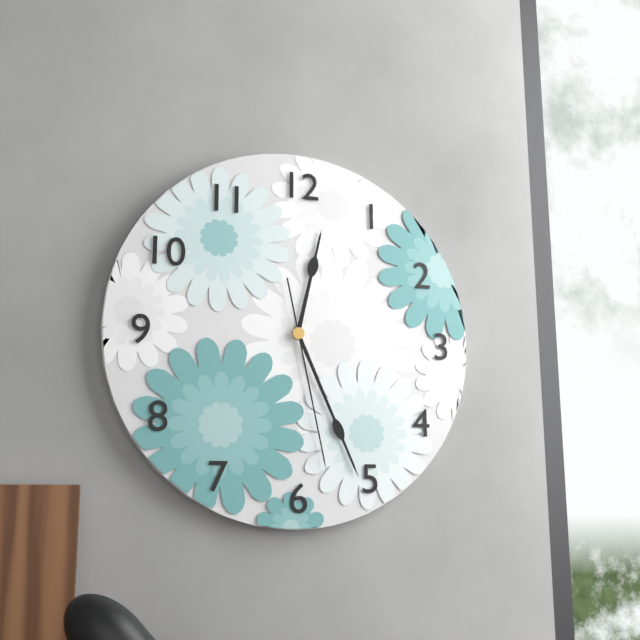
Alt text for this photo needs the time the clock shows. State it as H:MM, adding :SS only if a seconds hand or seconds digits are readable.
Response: 12:26:28
